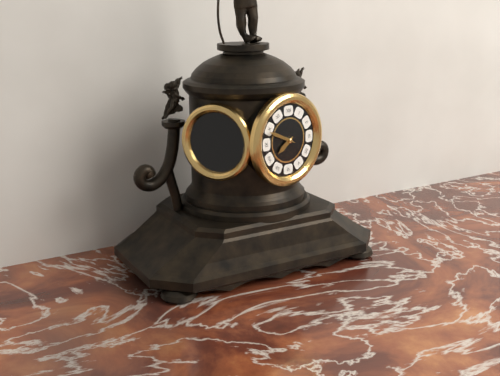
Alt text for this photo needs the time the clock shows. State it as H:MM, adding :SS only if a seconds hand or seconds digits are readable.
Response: 7:49
